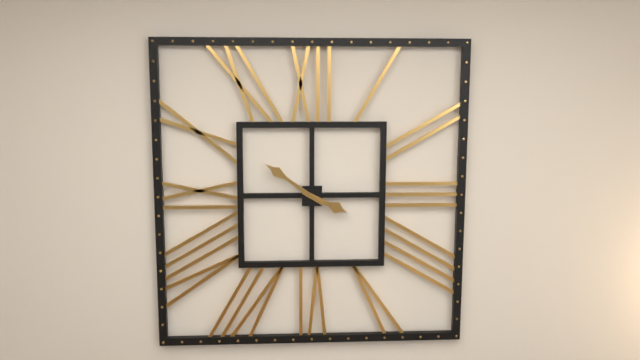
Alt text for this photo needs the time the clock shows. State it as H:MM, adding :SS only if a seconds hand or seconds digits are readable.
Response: 3:51
